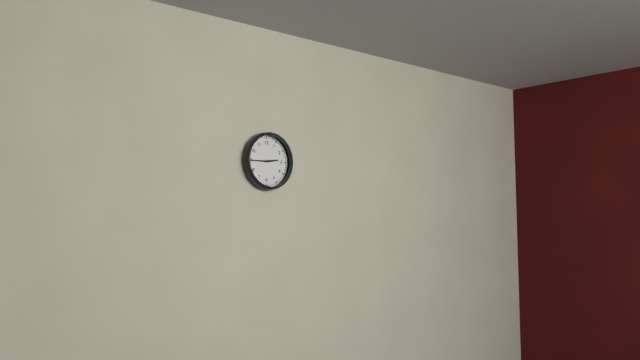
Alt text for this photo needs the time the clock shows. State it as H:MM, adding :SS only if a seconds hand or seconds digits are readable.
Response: 2:45
